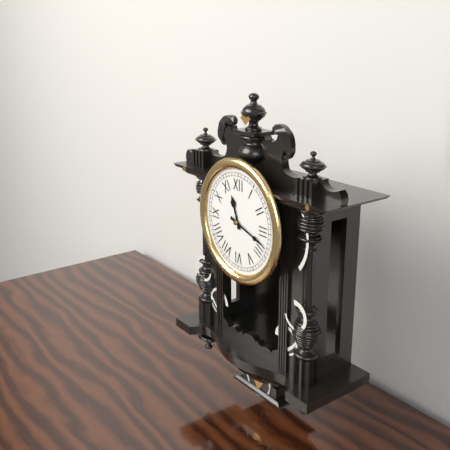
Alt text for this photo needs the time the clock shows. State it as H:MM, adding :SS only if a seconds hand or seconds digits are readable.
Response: 11:18
